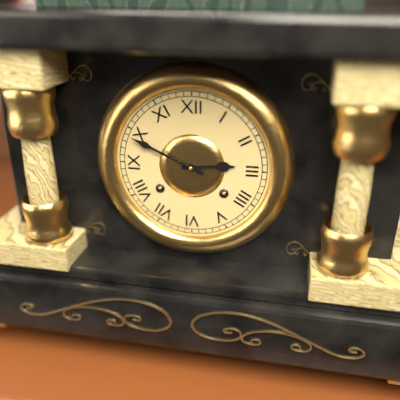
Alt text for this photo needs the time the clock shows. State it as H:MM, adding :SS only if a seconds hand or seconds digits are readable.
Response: 2:49
